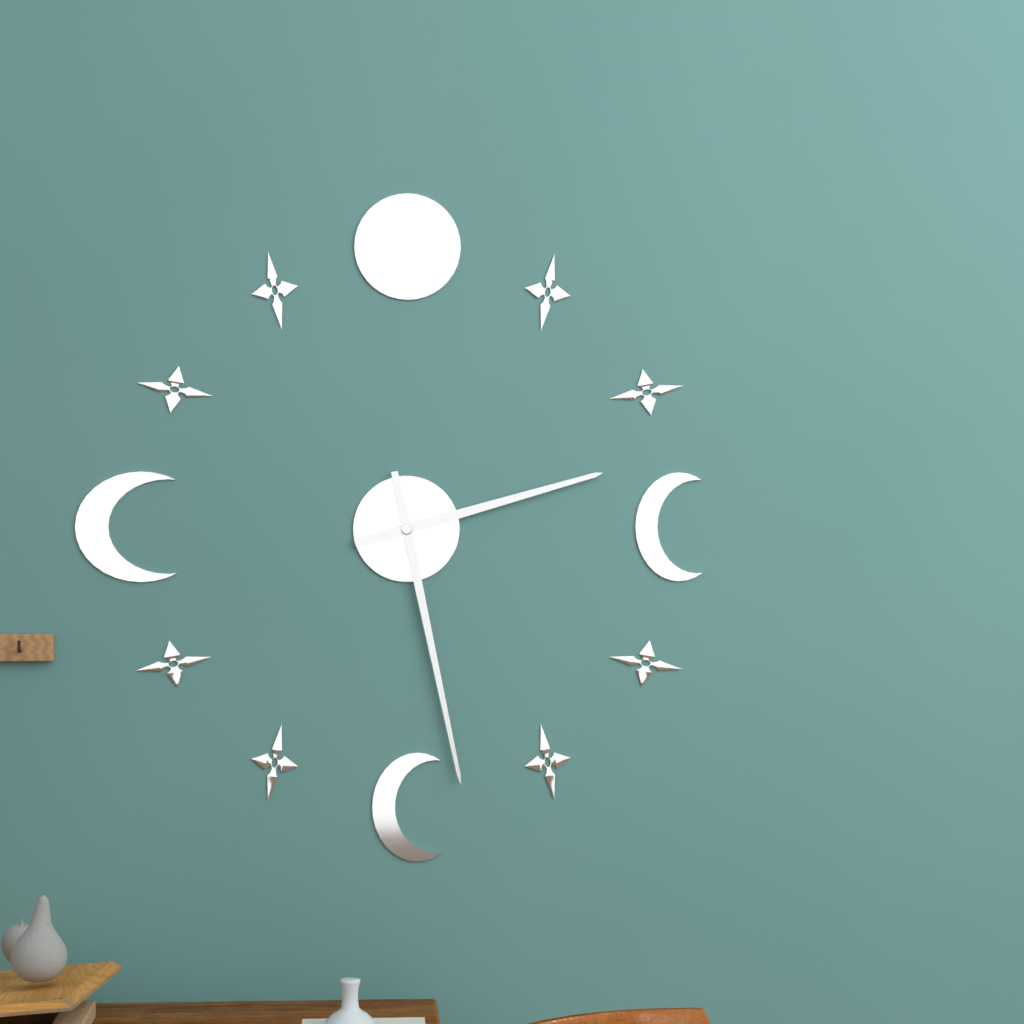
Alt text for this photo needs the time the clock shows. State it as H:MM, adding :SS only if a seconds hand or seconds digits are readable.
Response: 2:28
